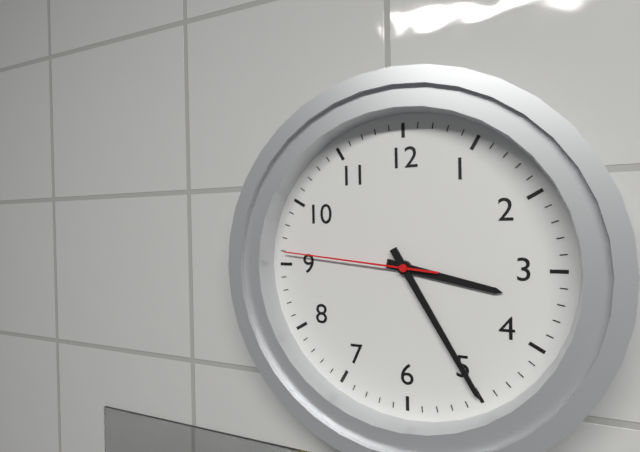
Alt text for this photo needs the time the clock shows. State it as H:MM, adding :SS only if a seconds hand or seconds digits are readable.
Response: 3:25:46
